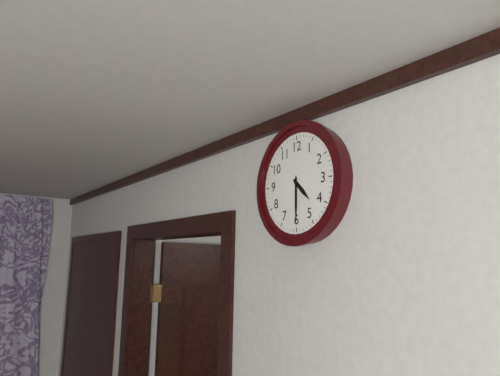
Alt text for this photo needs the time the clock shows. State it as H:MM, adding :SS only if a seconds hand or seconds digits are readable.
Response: 4:30
